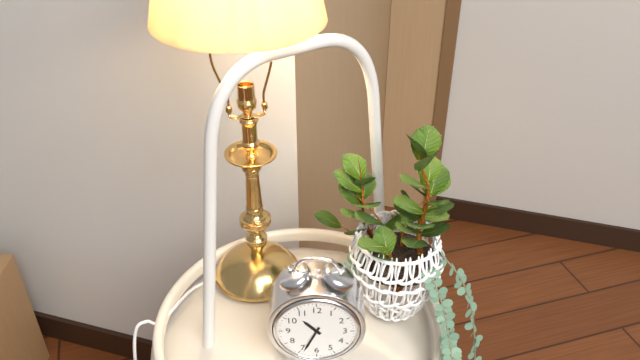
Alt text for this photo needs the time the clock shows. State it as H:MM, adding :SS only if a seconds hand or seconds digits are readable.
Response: 10:34
